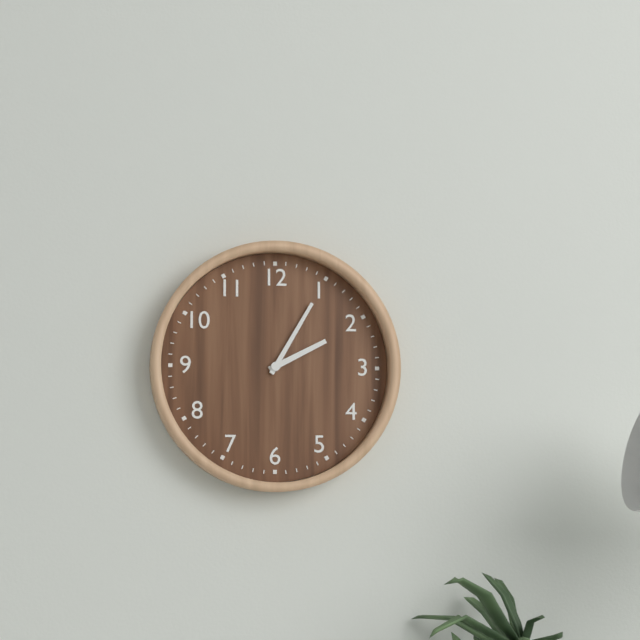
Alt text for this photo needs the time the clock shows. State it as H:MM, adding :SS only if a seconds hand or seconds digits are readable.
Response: 2:05
